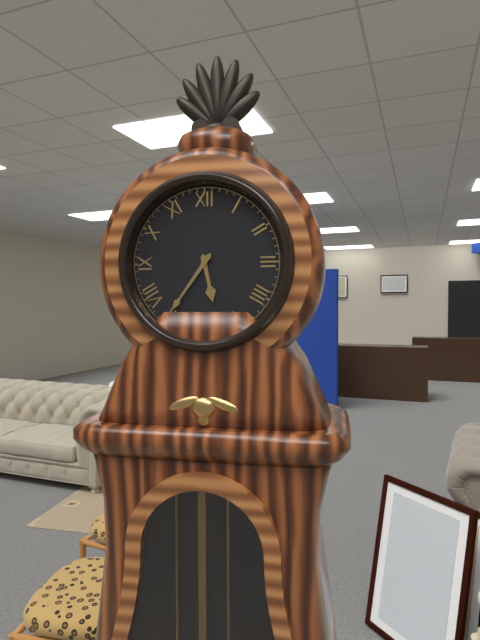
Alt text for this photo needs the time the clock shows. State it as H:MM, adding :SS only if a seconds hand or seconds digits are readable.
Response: 5:36
